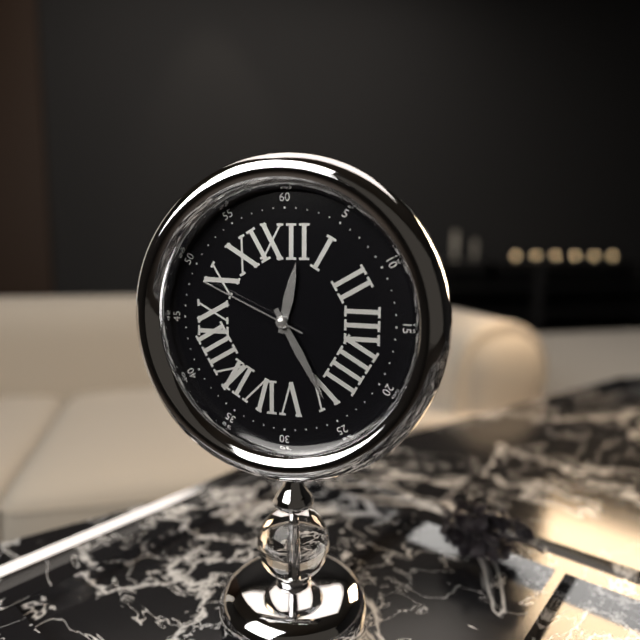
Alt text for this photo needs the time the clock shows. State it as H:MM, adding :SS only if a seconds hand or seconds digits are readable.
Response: 12:25:49
